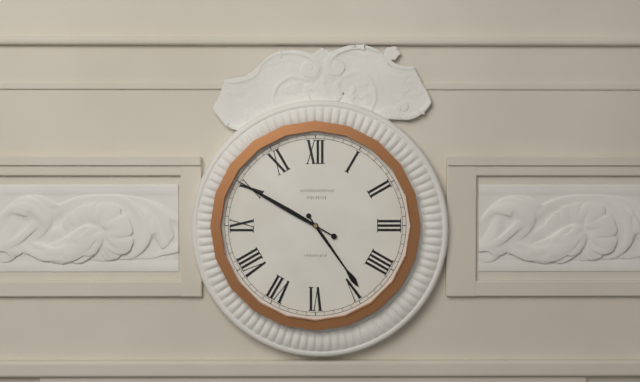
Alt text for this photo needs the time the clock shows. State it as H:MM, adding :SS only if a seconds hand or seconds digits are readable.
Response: 4:50
